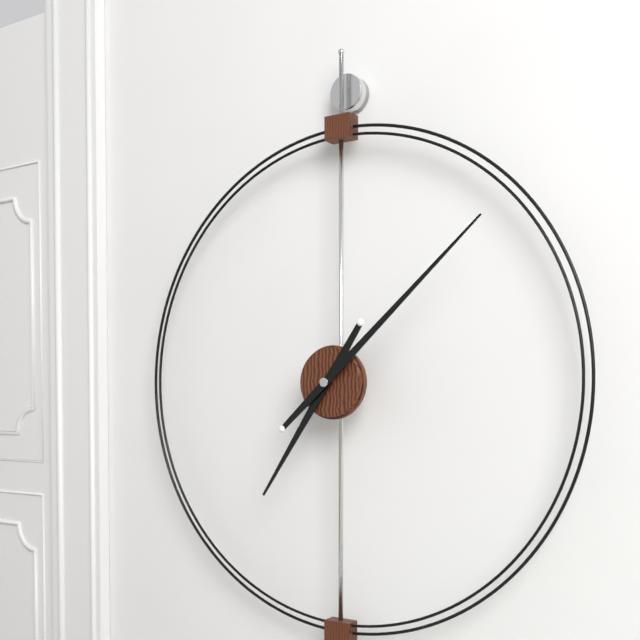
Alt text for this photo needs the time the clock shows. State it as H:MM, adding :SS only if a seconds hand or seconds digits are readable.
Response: 7:08
